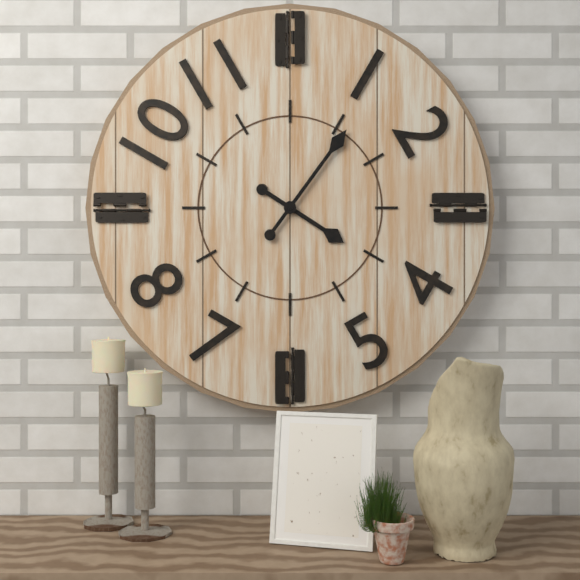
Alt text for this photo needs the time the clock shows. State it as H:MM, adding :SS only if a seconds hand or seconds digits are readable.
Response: 4:06
